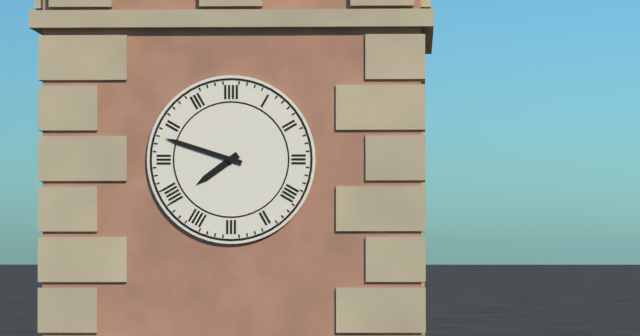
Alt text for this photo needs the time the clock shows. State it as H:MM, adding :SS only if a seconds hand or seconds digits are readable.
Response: 7:48
